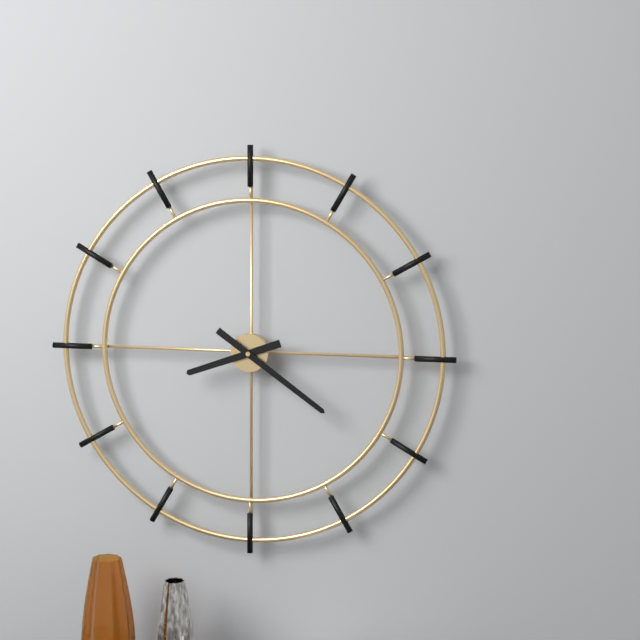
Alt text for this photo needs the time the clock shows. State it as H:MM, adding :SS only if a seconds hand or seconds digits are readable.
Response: 8:21
